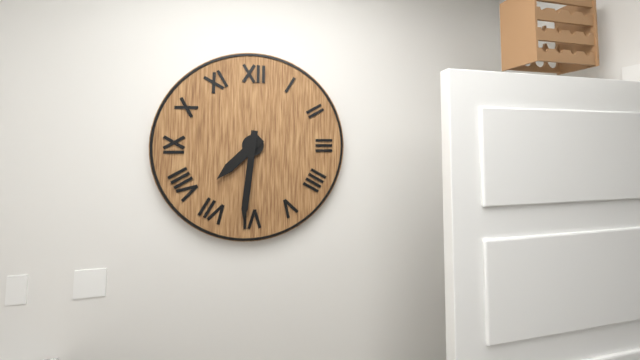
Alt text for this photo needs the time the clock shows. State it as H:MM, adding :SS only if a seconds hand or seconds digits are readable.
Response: 7:31
